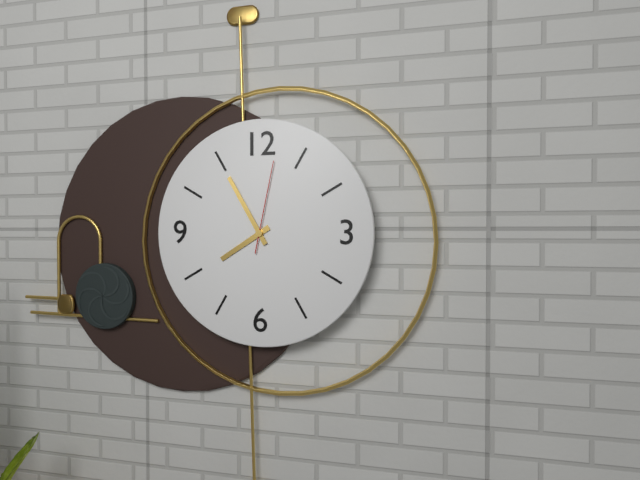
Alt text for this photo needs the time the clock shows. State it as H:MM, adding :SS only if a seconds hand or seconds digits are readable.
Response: 7:55:02
